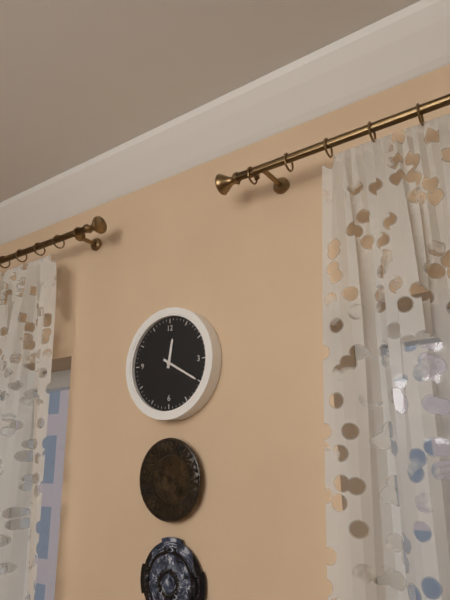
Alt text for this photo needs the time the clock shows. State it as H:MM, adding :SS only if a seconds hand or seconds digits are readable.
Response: 12:20
